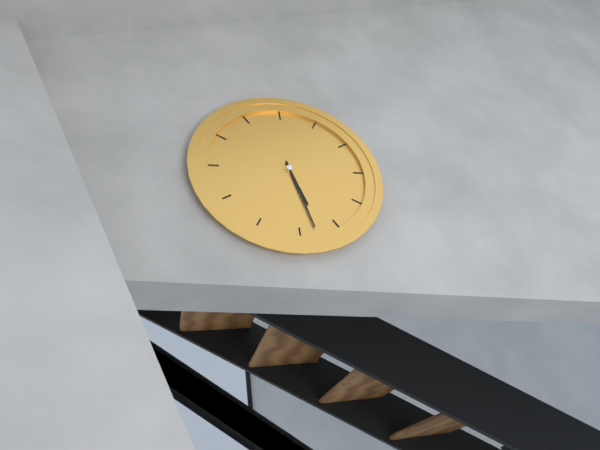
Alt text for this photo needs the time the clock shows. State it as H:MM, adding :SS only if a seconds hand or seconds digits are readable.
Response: 5:28
